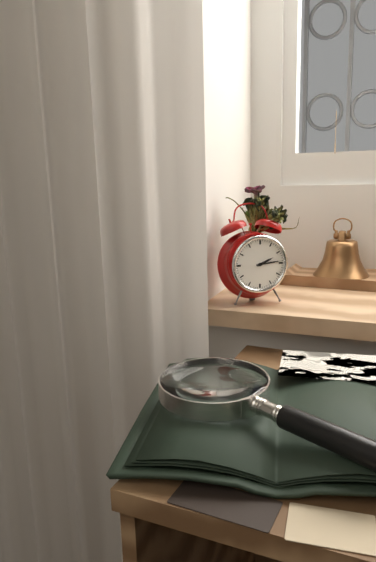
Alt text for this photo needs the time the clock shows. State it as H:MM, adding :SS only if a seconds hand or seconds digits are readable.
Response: 2:14
